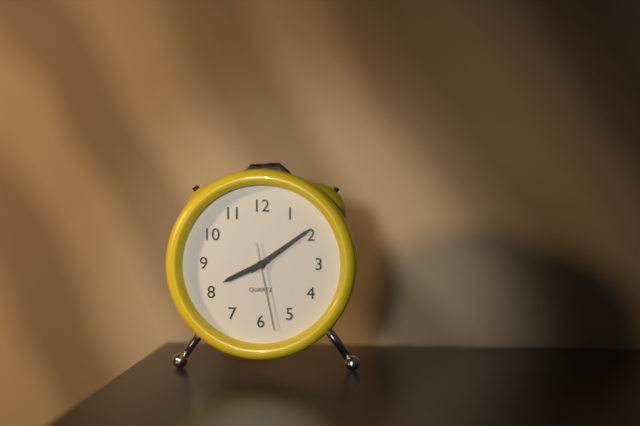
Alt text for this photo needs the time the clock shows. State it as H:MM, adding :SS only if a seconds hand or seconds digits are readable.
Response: 8:09:28
